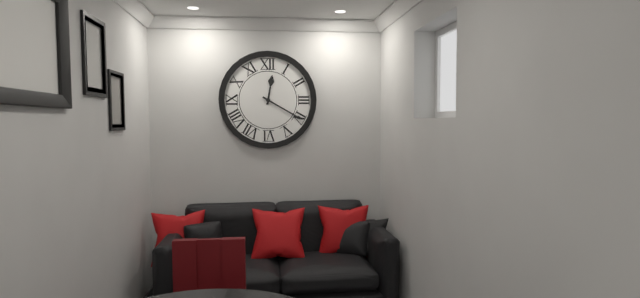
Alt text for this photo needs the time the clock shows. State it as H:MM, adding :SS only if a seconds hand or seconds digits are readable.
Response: 12:20
